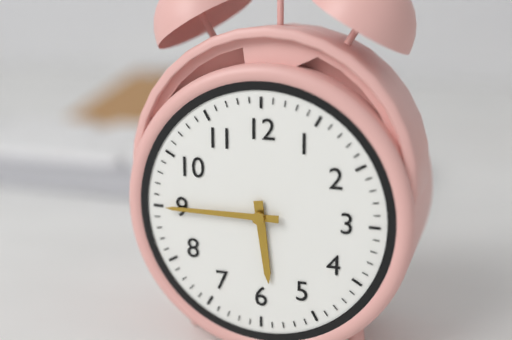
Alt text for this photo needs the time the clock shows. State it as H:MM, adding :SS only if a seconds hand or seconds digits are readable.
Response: 5:45
